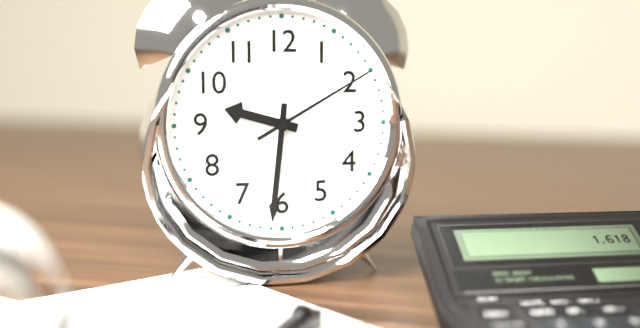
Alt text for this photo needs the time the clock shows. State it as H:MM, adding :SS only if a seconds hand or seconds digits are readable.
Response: 9:31:10
